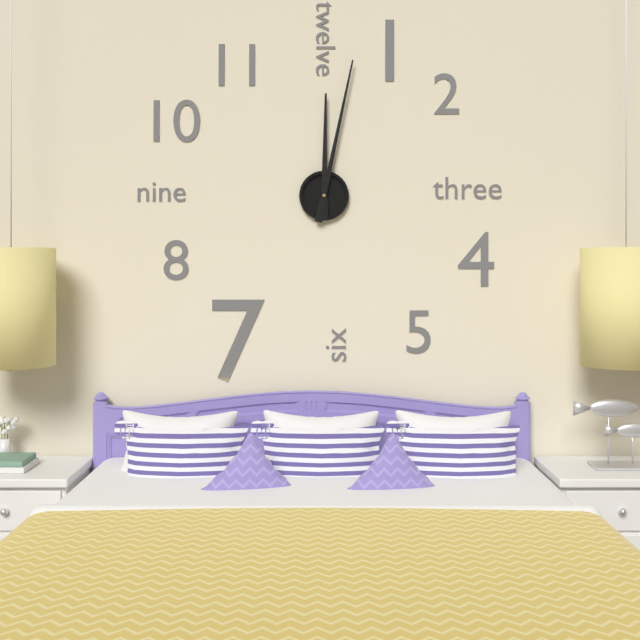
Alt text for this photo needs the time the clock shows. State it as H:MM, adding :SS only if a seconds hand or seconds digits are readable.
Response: 12:02
